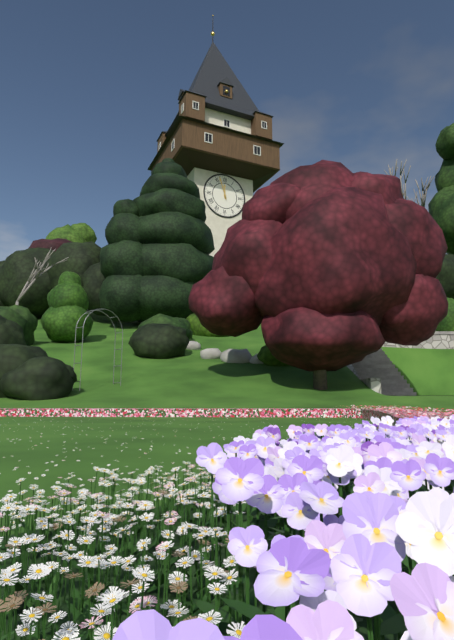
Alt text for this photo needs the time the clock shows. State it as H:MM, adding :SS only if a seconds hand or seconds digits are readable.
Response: 11:57
